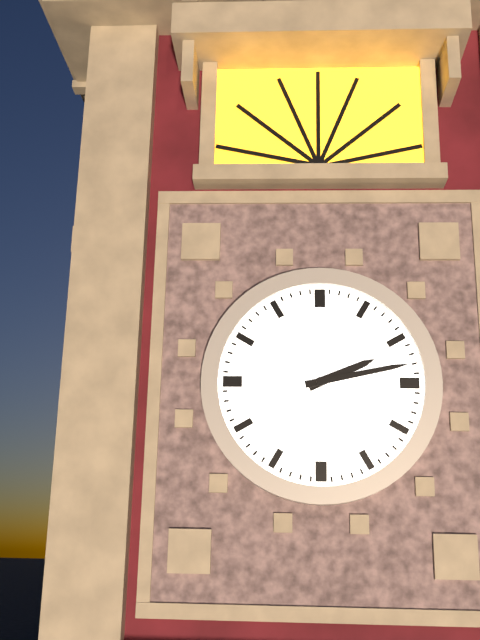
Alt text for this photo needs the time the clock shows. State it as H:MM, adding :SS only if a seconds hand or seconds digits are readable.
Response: 2:13
